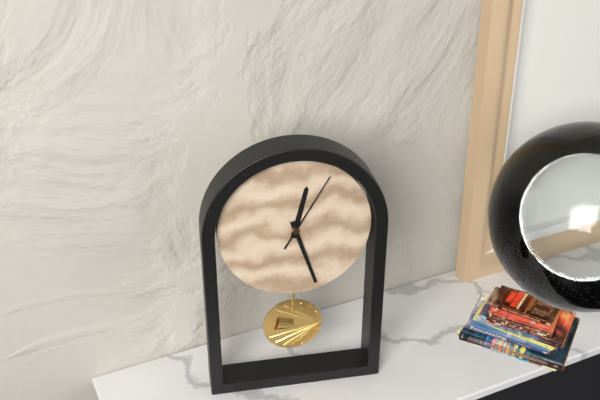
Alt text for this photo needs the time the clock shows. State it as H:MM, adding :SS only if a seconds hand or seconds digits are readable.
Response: 12:27:05
